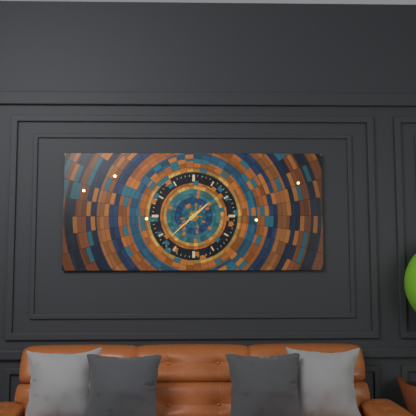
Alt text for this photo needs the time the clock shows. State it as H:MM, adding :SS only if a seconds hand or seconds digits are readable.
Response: 1:38
